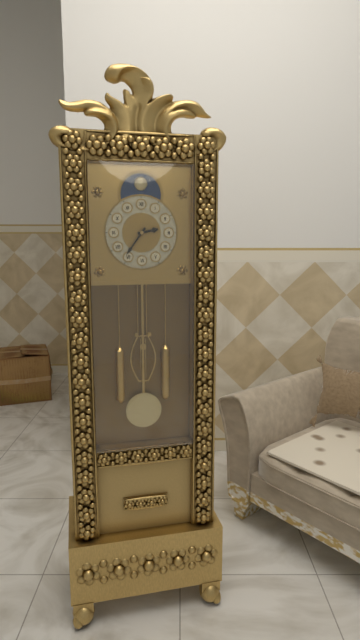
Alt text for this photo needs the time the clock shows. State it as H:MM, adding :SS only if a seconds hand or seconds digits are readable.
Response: 2:36
